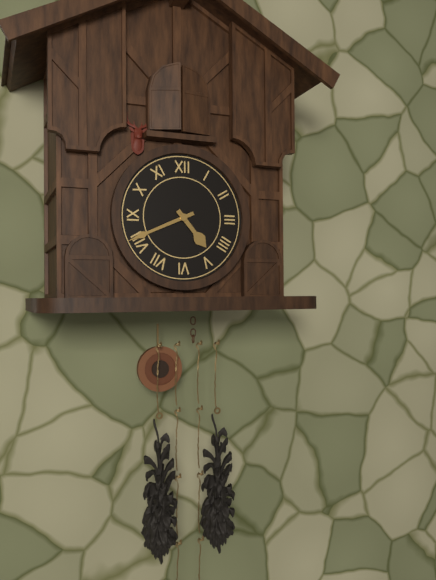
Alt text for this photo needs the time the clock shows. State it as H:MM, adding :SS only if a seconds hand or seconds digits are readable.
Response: 4:41
